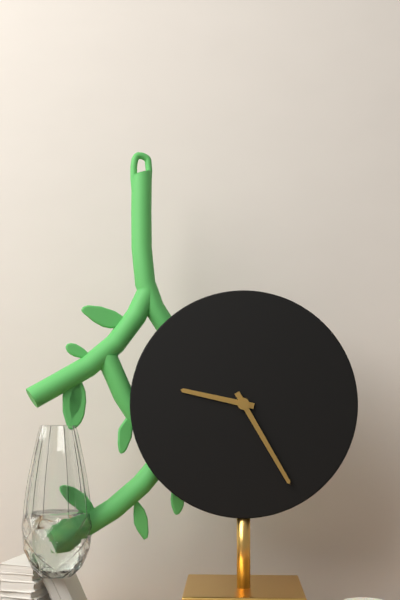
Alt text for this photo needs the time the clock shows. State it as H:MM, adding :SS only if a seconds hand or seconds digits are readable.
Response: 9:25
